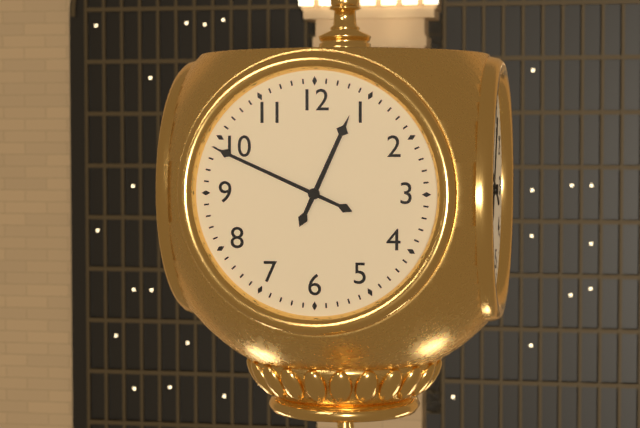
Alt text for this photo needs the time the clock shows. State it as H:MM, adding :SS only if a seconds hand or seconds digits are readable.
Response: 12:49
